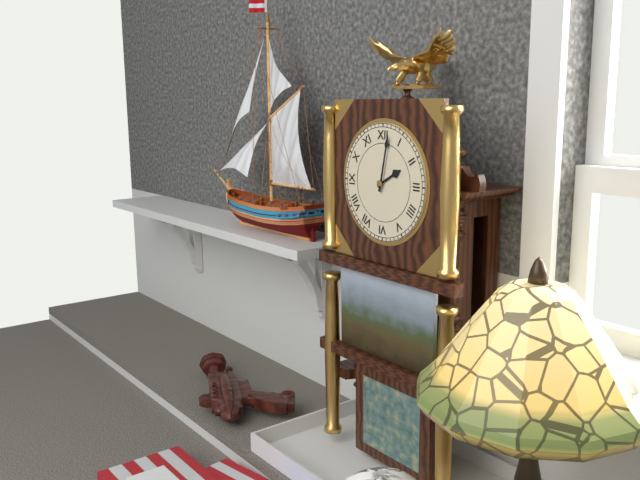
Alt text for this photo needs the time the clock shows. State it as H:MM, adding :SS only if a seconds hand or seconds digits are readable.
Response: 2:02
